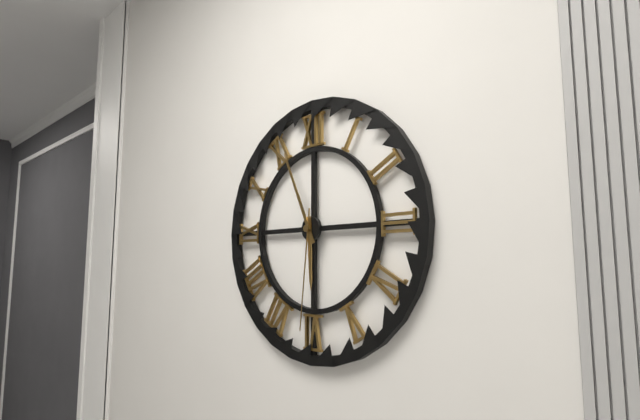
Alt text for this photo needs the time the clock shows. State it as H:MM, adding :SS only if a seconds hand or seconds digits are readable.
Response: 5:56:31
